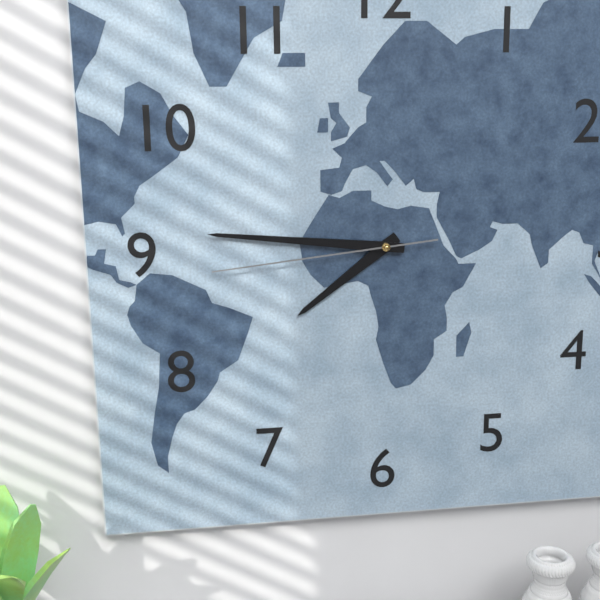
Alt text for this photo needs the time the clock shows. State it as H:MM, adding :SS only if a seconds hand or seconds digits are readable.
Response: 7:46:44
